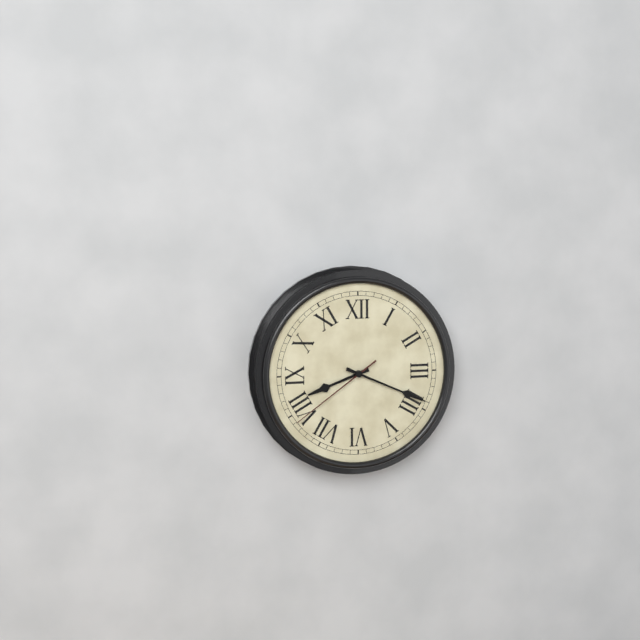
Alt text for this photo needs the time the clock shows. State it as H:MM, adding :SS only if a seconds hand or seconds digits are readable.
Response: 8:19:39
